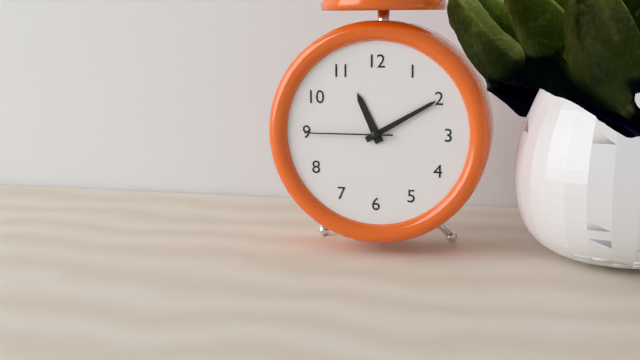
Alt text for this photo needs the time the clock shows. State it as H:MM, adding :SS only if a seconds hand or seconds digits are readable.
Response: 11:10:45
